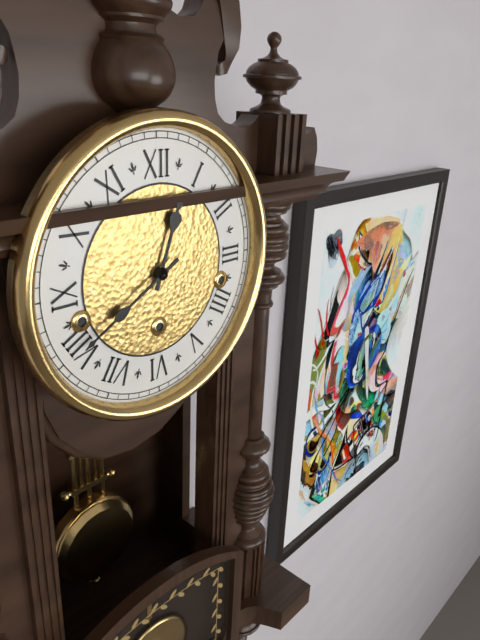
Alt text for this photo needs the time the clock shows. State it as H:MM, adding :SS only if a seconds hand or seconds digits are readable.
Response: 12:40
